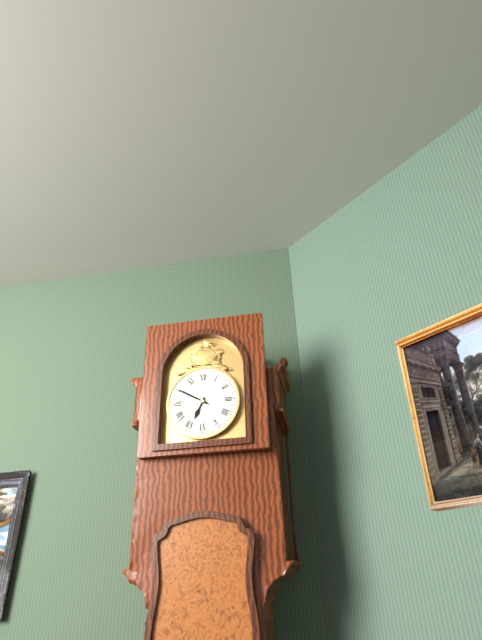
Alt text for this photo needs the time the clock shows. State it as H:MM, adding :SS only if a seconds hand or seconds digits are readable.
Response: 6:50
